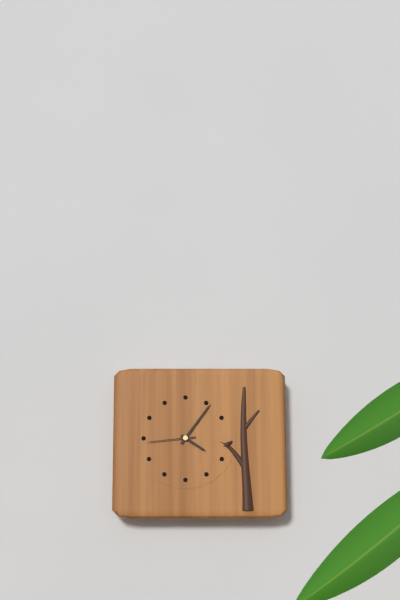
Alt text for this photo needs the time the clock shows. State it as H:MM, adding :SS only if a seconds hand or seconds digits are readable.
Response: 4:06:44
